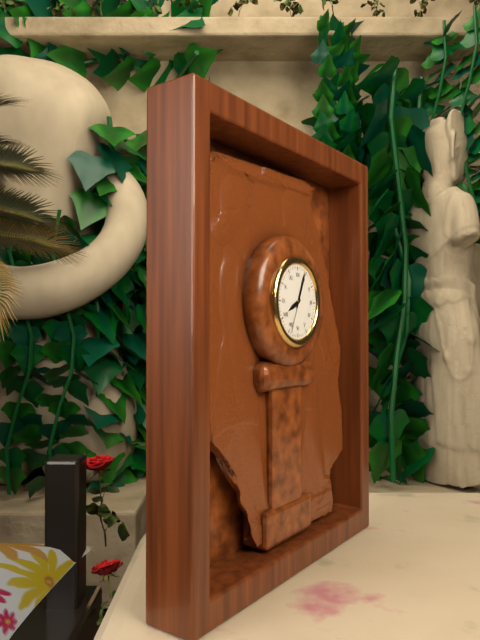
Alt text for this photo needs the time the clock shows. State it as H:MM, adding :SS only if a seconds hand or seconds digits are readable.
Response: 8:04
